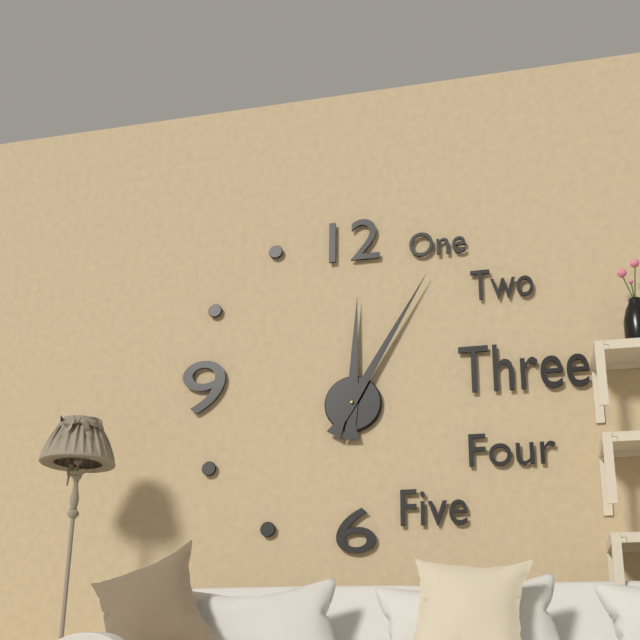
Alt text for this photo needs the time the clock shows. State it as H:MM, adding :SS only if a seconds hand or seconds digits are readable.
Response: 12:05
